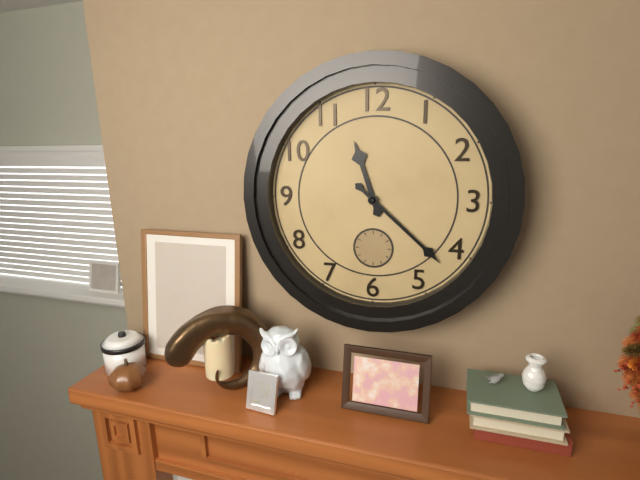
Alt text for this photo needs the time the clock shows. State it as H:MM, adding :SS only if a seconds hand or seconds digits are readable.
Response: 11:22
